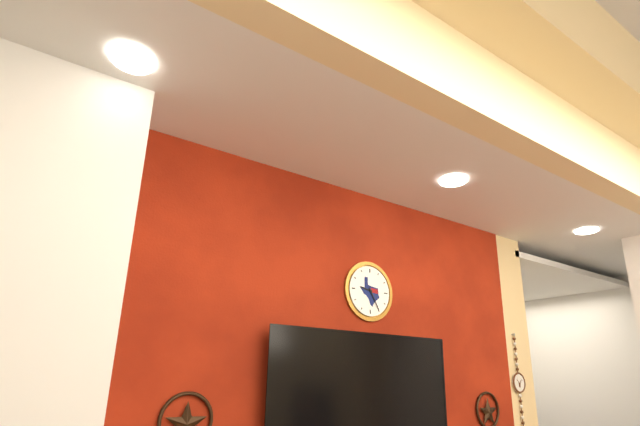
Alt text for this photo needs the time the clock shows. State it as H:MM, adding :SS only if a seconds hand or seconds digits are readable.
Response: 9:25
